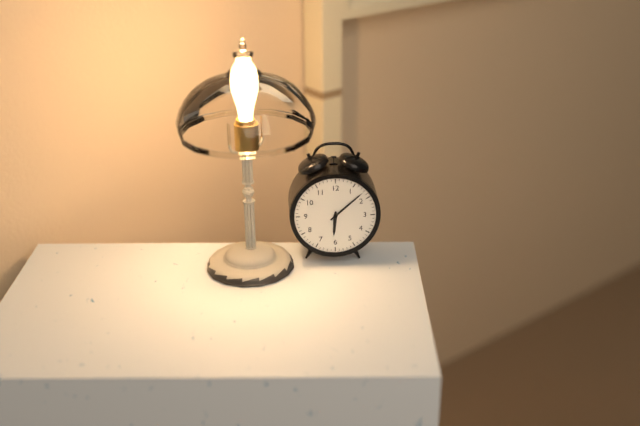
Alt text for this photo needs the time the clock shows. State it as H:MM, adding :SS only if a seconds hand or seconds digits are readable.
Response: 6:08
